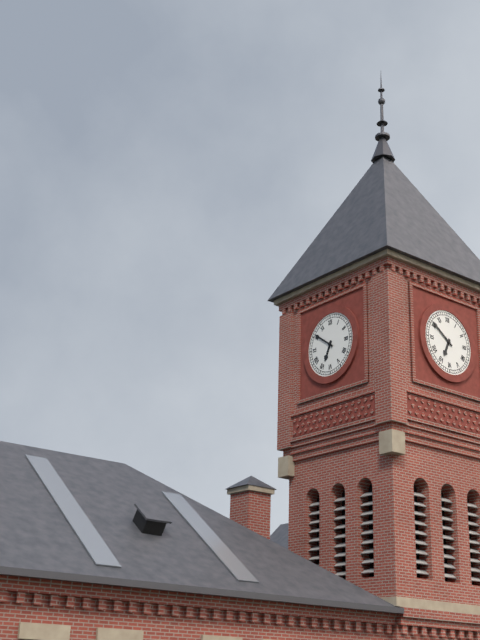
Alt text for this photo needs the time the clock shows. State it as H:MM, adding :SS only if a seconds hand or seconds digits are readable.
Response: 6:51
